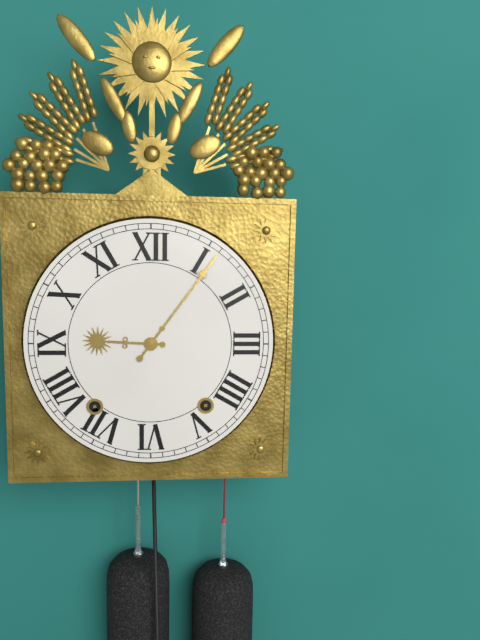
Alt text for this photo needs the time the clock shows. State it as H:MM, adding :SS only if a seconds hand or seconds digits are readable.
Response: 9:06
